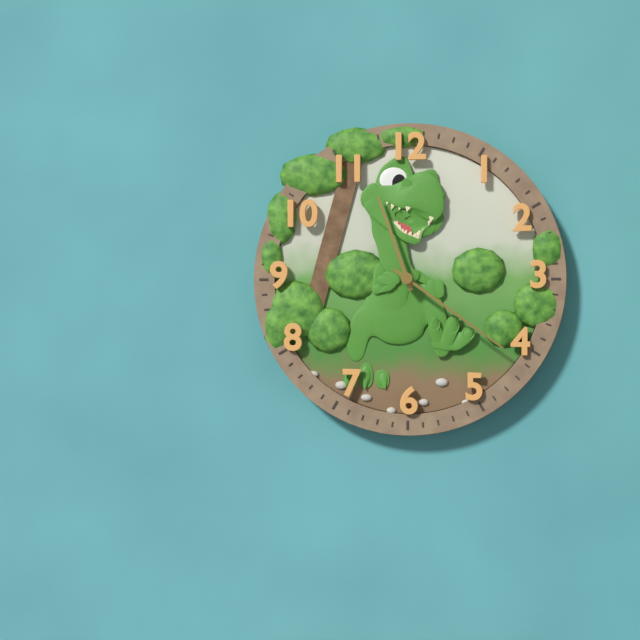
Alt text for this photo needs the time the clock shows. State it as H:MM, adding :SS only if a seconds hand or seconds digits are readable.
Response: 11:21
